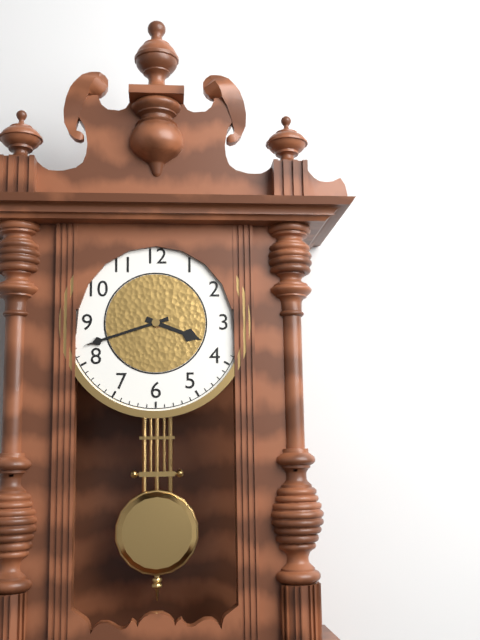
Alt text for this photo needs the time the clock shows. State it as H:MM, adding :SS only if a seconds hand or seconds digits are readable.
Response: 3:42
